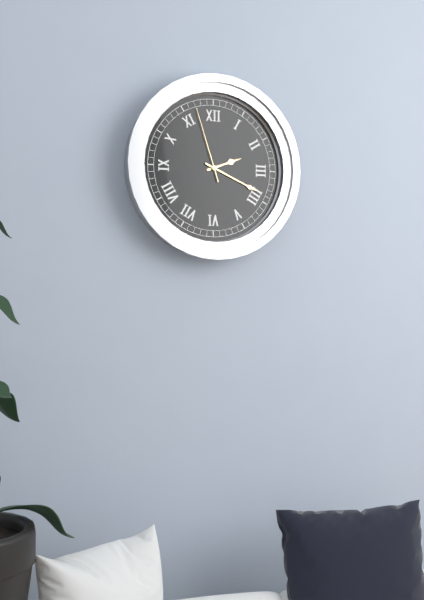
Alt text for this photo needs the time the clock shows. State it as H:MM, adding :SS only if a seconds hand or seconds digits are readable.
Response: 2:19:57
